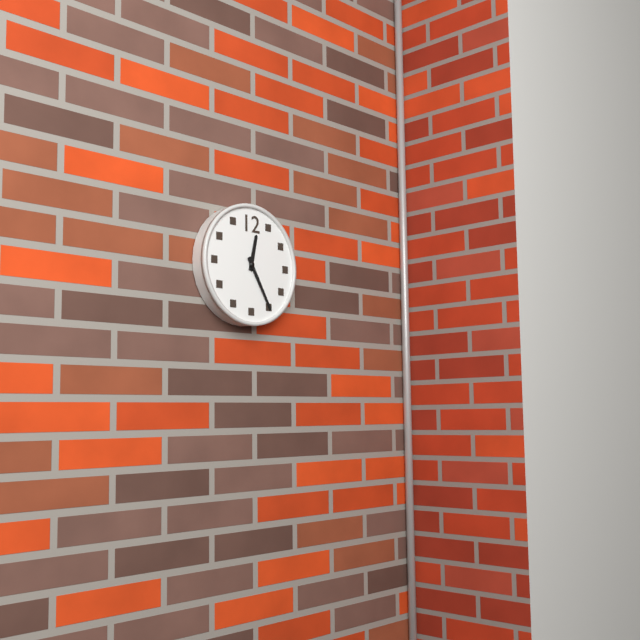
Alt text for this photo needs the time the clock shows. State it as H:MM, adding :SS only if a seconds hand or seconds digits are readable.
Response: 12:25
